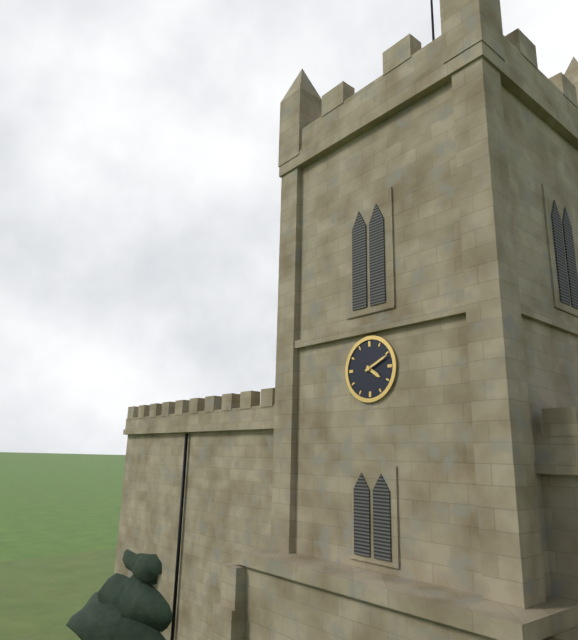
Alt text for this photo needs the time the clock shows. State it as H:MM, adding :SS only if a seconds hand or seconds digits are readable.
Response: 4:11
